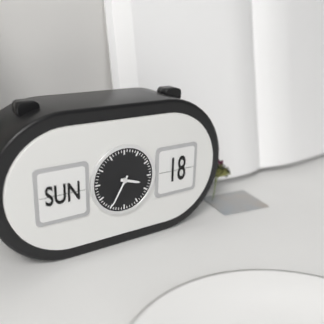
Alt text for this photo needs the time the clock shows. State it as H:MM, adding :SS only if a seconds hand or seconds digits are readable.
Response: 3:35
